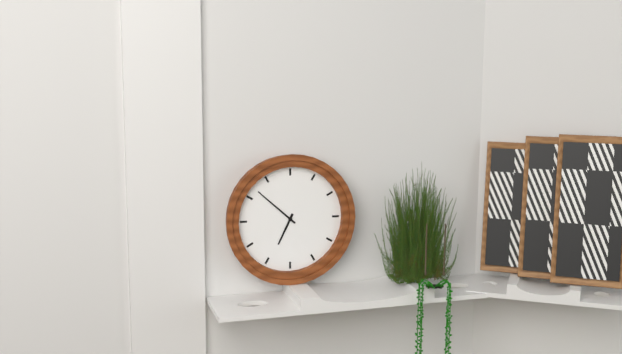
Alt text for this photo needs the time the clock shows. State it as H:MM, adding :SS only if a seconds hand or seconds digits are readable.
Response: 6:52
